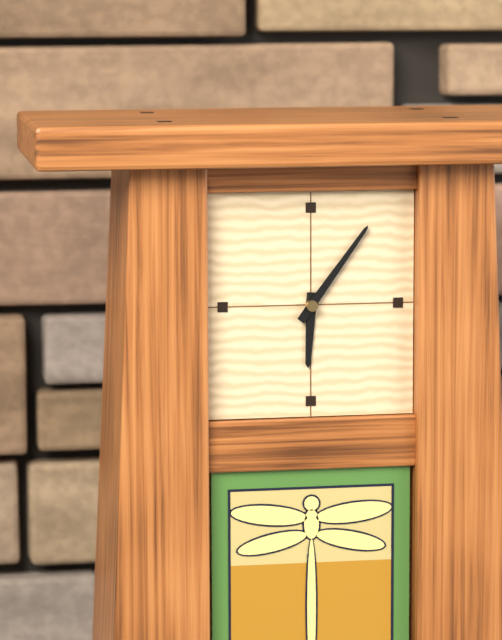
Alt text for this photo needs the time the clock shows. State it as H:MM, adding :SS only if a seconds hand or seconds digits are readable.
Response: 6:06
